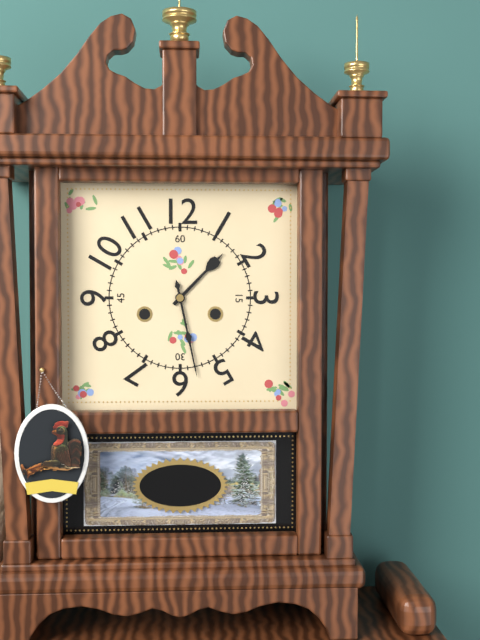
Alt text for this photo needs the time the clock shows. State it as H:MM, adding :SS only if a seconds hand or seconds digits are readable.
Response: 1:28
